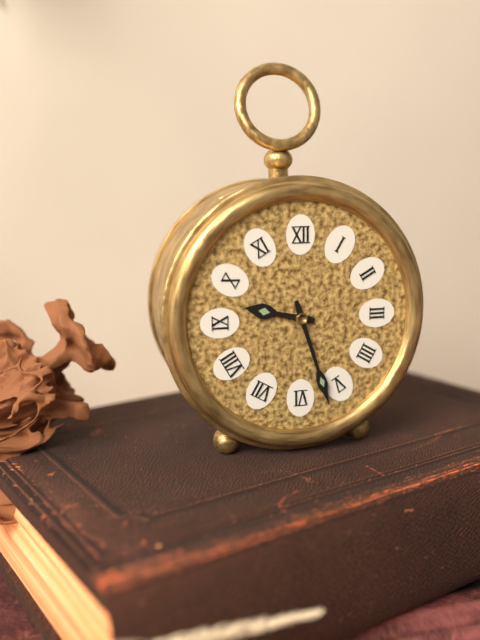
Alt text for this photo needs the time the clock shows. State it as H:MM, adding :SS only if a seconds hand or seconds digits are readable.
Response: 9:27
